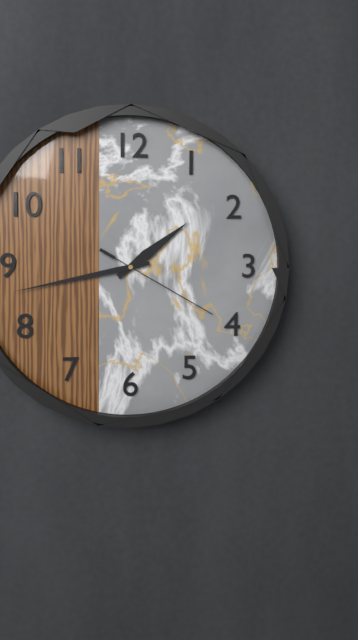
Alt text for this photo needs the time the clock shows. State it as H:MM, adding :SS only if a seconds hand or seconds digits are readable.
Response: 1:43:20
